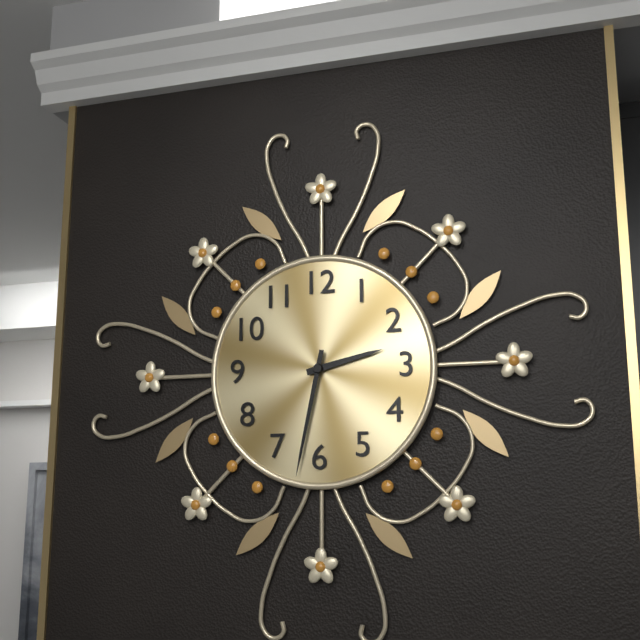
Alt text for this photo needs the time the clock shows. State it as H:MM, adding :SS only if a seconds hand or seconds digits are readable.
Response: 2:32
